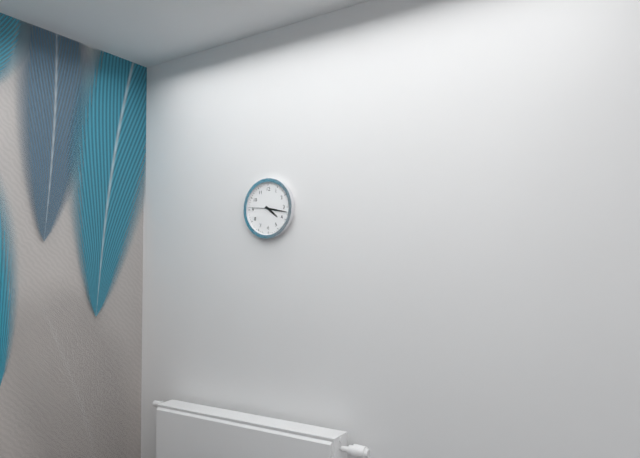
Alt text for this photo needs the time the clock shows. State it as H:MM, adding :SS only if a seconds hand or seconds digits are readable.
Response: 4:17
